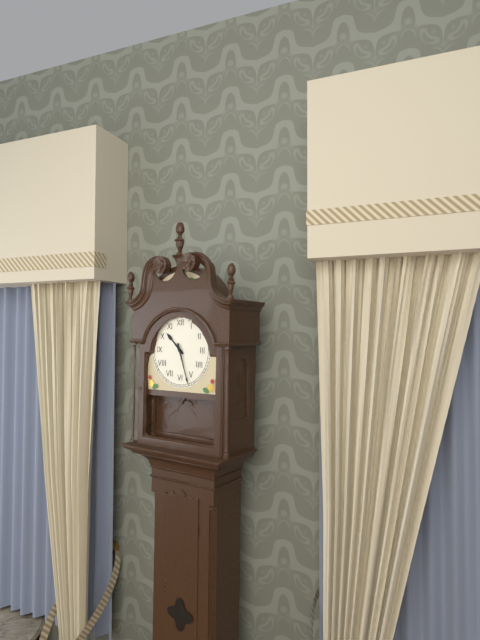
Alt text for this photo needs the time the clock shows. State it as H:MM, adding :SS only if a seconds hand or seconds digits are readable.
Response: 10:27
